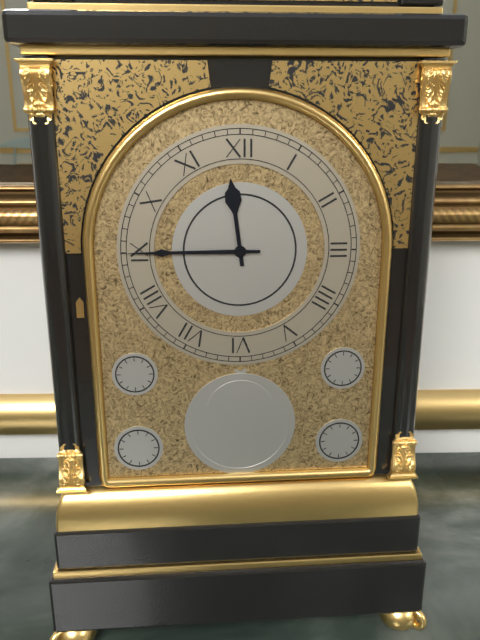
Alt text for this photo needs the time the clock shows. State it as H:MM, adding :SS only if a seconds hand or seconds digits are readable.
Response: 11:45
